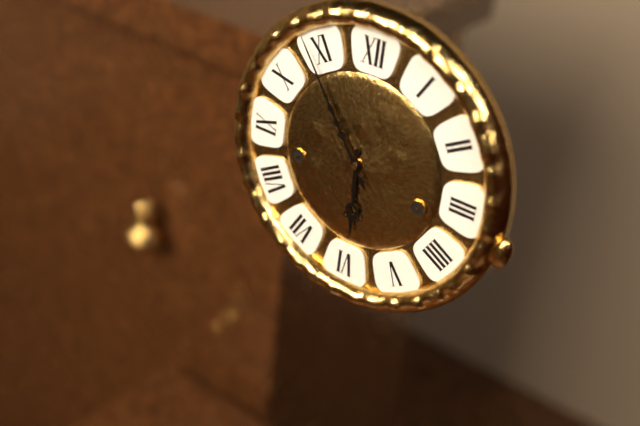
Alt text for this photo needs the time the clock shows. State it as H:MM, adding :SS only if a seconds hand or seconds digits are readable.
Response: 5:54
